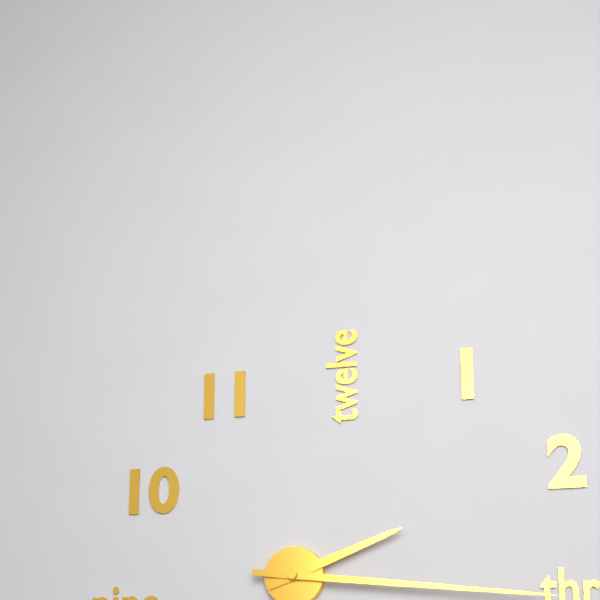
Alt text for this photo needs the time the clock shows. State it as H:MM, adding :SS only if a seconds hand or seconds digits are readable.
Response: 2:16
